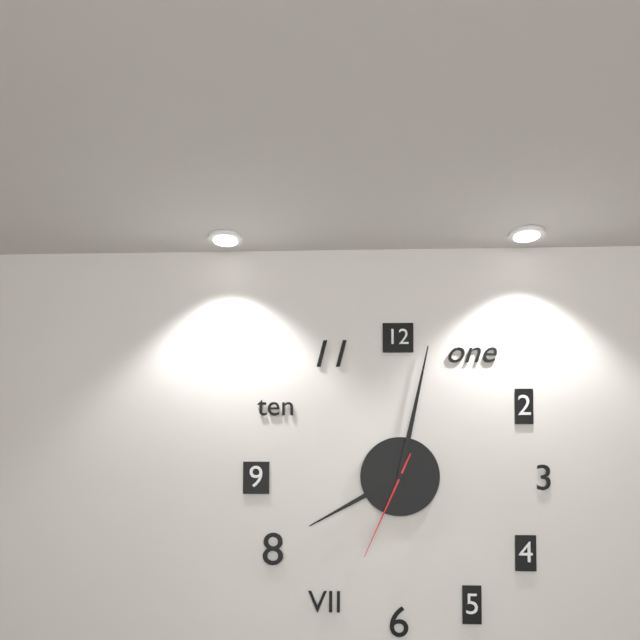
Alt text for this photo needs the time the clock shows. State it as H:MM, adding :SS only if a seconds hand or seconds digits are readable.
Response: 8:02:34
